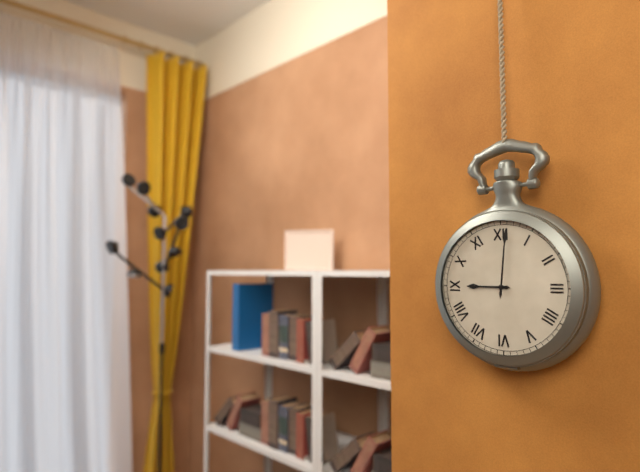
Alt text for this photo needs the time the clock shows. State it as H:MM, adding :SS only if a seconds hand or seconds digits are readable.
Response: 9:01
